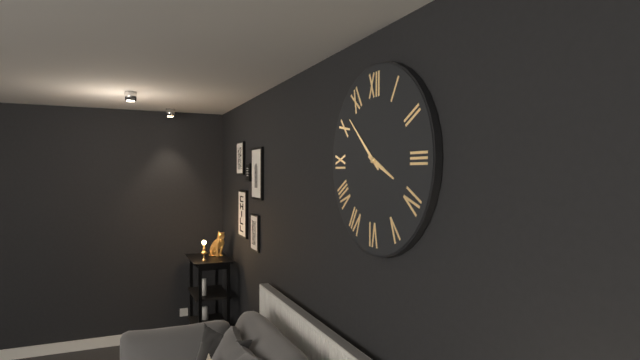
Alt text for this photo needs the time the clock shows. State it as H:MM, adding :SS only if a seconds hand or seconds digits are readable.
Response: 3:52
